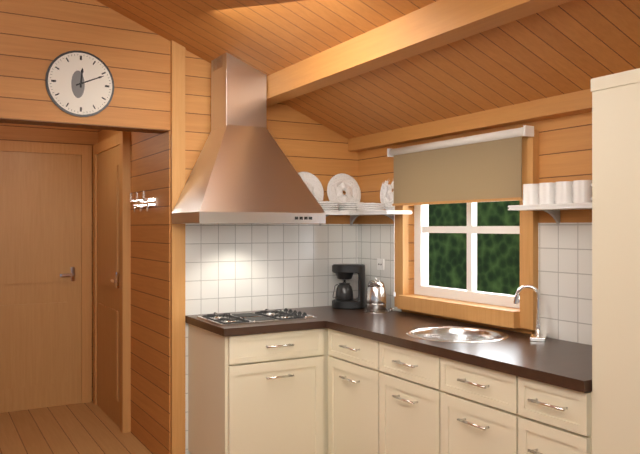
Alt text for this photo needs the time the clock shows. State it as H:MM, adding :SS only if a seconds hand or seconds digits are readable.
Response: 12:11
